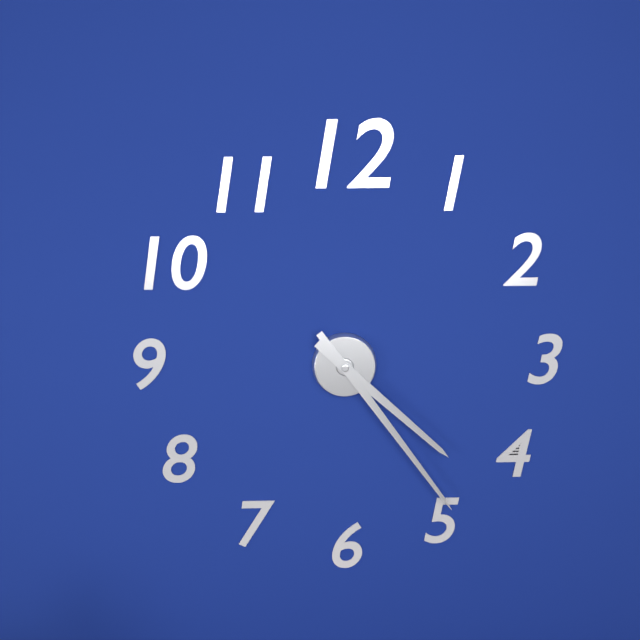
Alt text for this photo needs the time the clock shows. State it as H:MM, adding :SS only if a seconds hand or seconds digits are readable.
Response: 4:24
